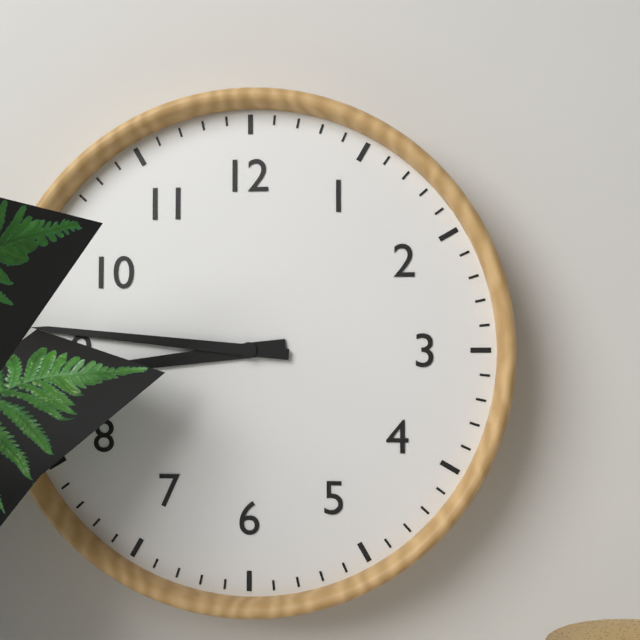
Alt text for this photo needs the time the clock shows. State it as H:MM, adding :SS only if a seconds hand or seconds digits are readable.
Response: 8:46
